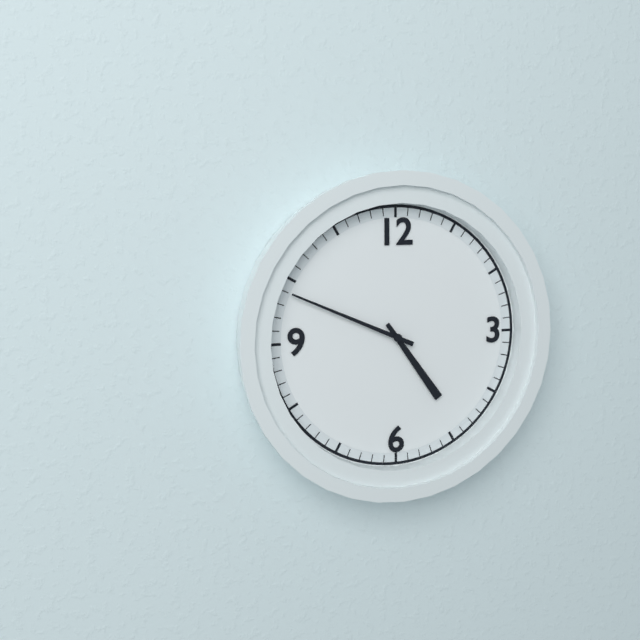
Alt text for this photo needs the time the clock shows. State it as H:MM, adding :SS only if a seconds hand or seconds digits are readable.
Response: 4:49
